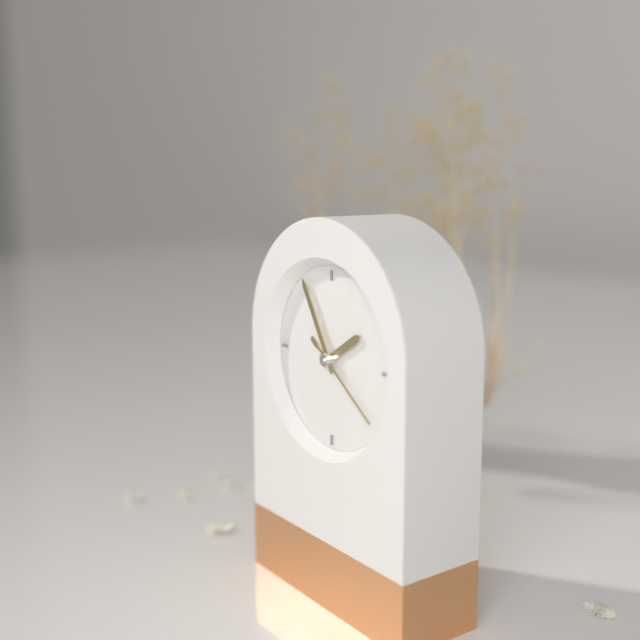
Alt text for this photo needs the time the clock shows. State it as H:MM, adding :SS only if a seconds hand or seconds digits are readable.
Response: 1:55:21
